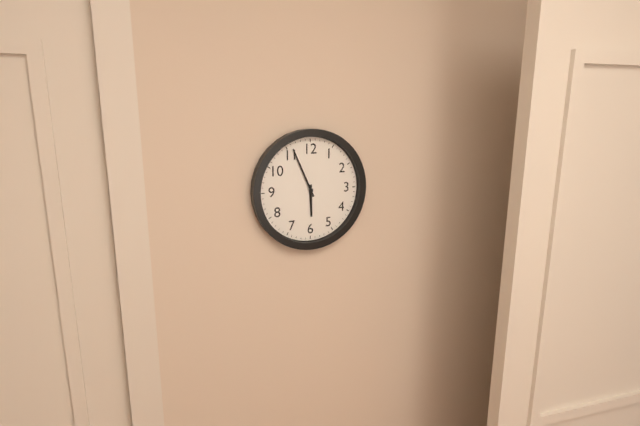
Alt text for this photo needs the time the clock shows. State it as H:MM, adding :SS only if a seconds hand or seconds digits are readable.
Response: 5:56
